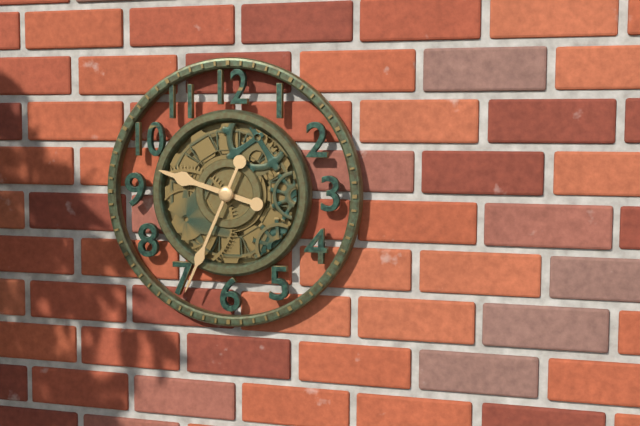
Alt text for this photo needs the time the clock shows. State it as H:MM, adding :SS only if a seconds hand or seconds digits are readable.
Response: 9:34
